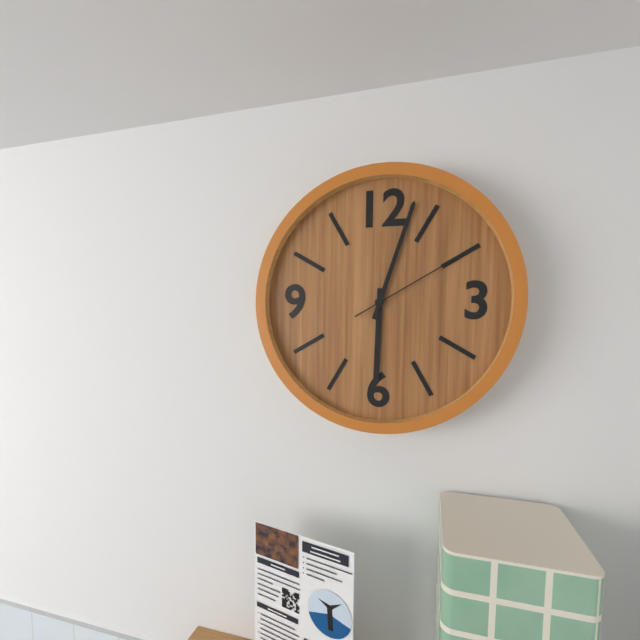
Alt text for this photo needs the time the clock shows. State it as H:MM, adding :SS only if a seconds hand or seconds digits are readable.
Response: 6:03:10
